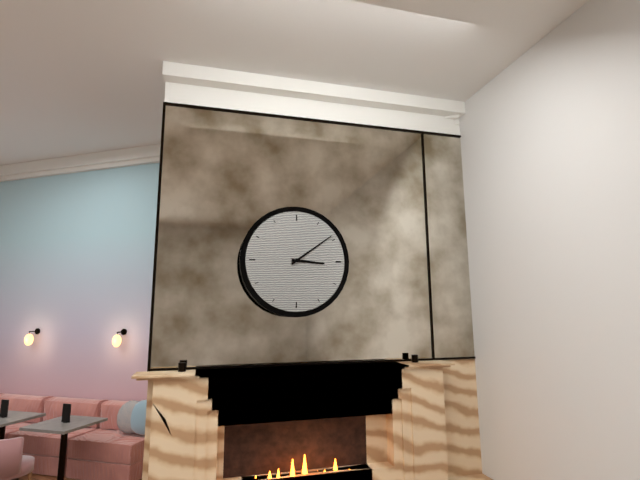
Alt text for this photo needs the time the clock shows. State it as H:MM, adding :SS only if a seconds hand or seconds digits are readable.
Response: 3:09
